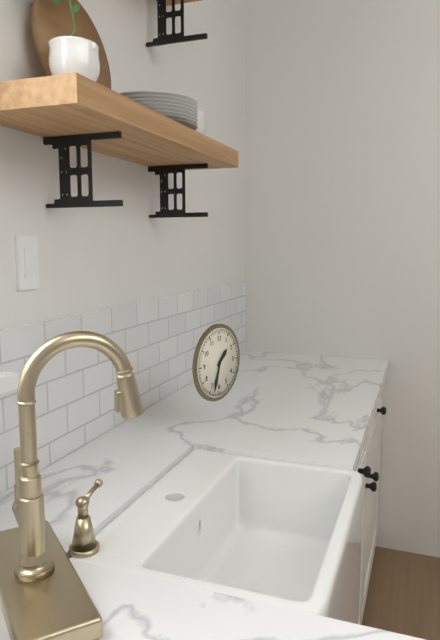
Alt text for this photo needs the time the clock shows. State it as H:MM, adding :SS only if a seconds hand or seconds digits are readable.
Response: 1:33
